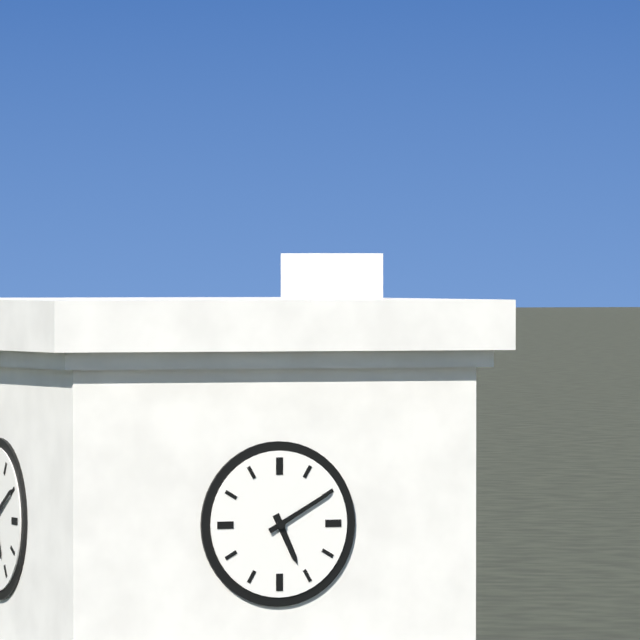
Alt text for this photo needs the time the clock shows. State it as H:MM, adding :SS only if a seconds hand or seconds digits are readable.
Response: 5:10
